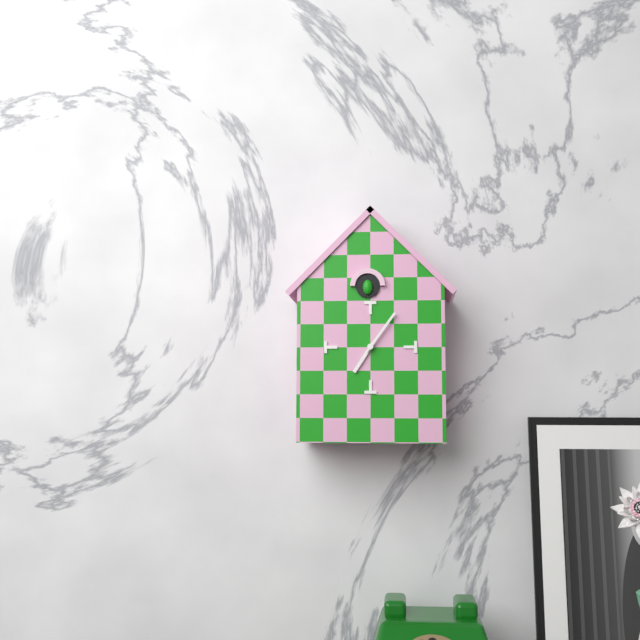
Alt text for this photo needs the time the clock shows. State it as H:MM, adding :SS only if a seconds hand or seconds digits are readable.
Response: 7:06
